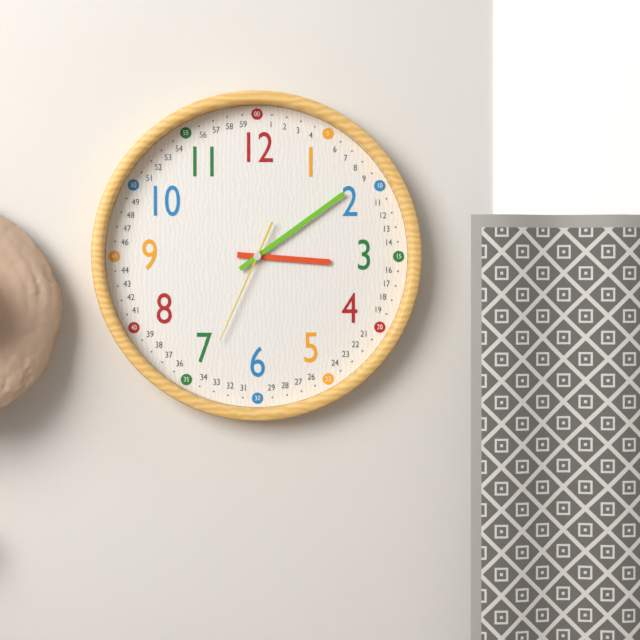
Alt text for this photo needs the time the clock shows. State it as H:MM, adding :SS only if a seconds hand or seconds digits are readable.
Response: 3:09:34
